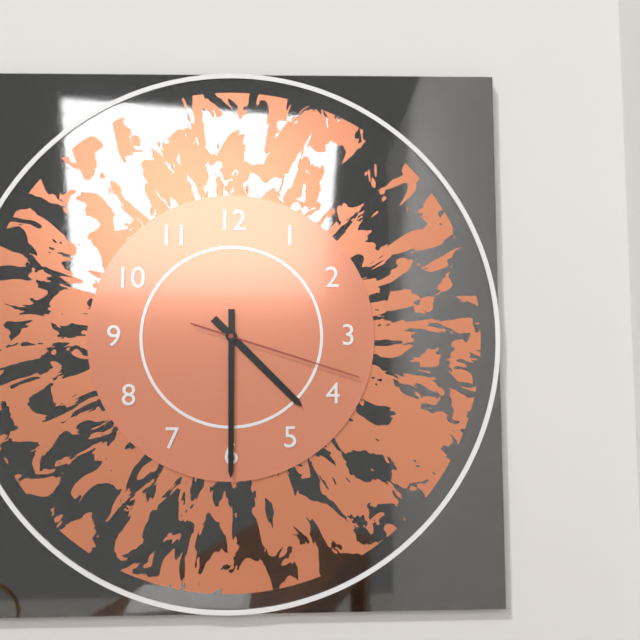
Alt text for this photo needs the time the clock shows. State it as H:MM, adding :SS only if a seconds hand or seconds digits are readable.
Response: 4:30:18
